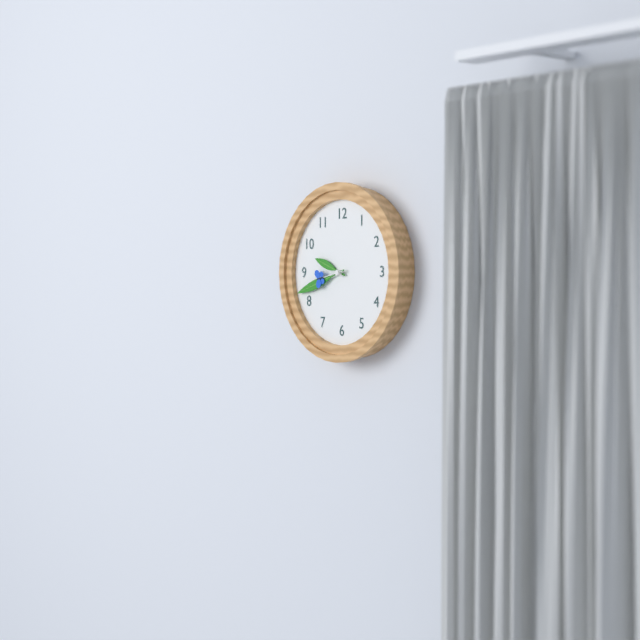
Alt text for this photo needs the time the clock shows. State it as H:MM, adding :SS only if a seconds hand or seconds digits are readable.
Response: 9:42
